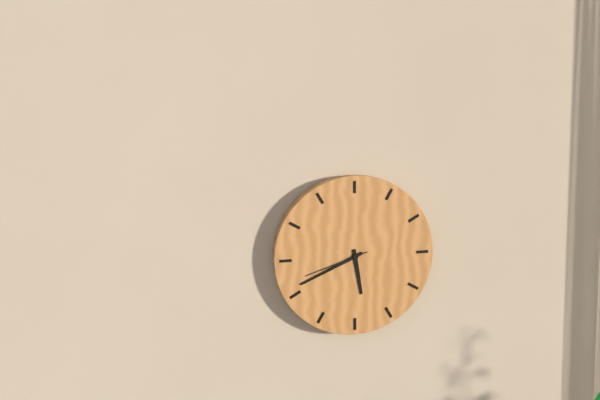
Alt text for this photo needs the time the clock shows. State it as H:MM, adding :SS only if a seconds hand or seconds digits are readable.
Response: 5:41:42
